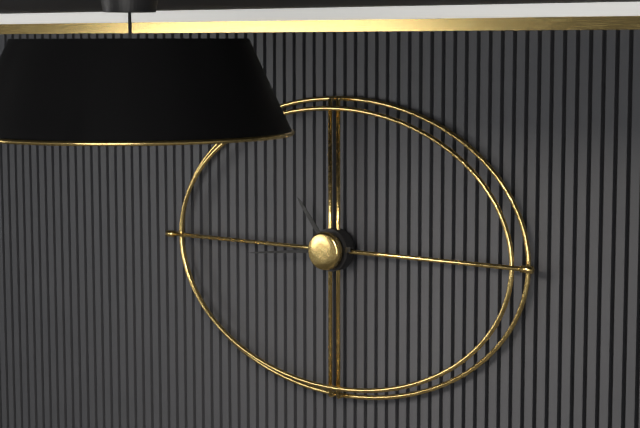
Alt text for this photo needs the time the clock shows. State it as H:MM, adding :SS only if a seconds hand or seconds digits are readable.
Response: 10:44
